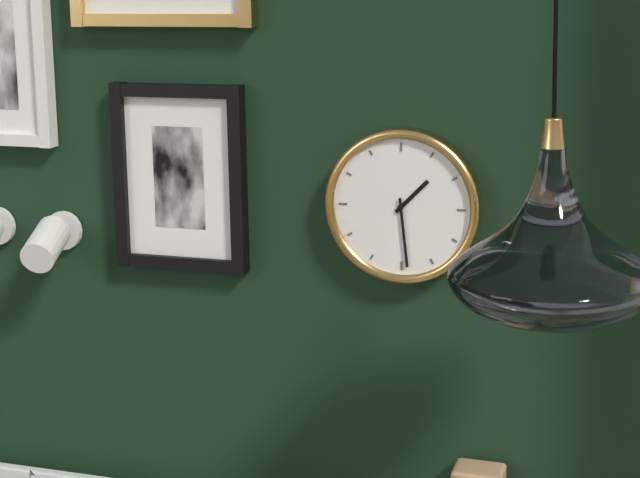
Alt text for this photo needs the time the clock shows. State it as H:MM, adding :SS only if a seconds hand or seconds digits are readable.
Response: 1:29
